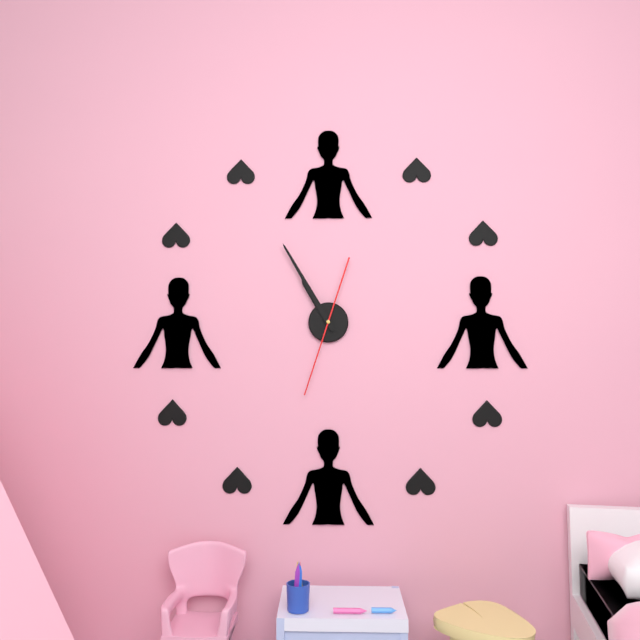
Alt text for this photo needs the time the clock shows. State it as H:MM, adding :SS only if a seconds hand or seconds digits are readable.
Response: 10:55:33
